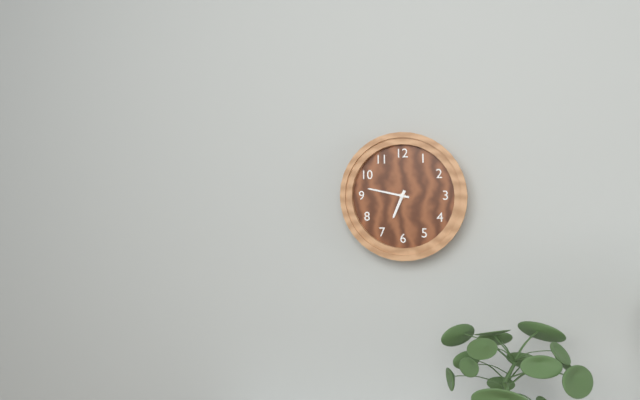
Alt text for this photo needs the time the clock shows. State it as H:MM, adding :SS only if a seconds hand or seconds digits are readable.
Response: 6:47
